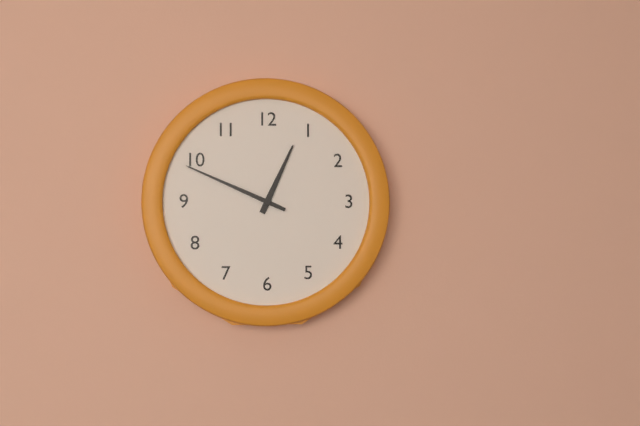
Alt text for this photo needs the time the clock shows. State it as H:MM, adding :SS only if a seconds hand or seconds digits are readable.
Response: 12:49
